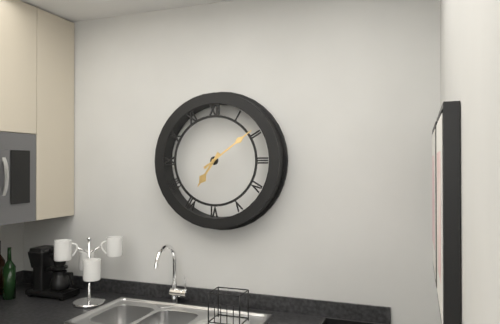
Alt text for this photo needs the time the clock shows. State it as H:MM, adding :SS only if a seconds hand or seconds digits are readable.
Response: 7:09
